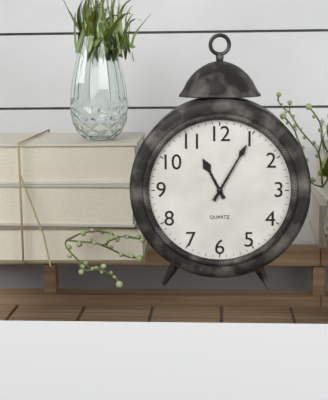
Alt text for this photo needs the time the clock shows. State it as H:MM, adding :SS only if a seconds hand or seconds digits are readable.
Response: 11:05
